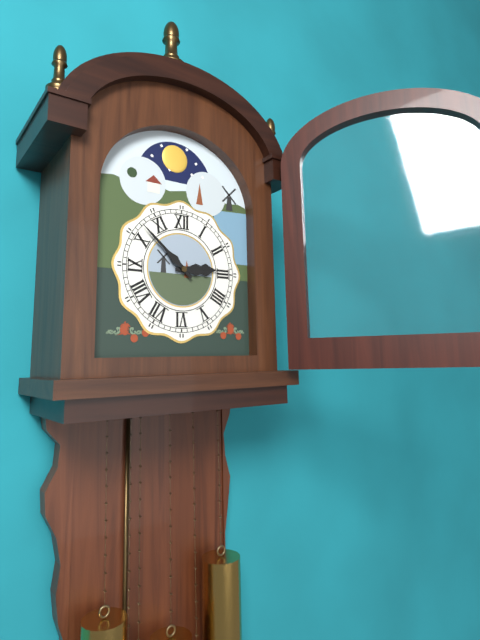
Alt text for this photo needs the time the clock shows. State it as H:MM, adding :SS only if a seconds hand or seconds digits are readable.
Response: 2:52
